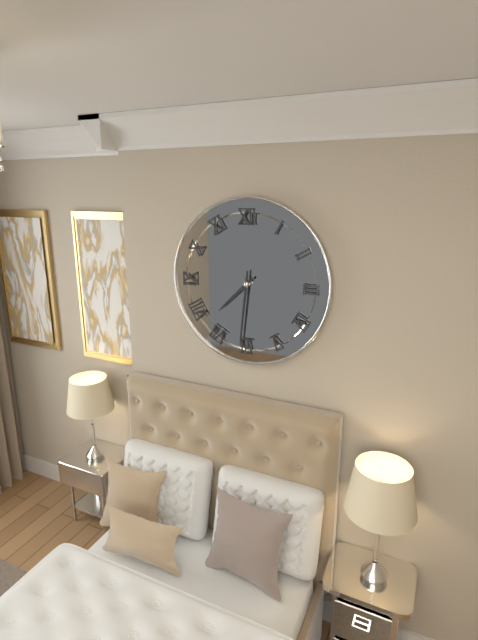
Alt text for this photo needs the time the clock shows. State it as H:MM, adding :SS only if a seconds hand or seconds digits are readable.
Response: 7:31
